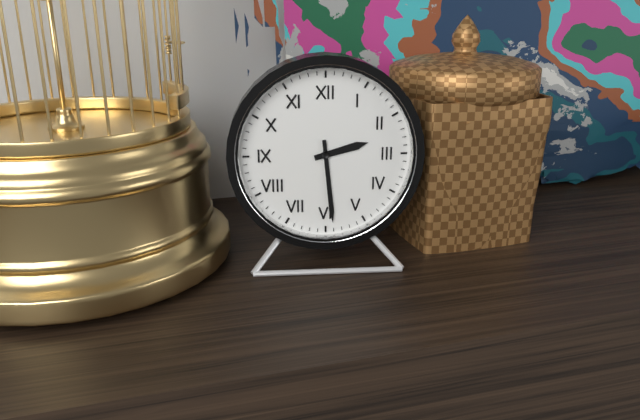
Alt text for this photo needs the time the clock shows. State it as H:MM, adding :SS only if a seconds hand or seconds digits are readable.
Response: 2:29
